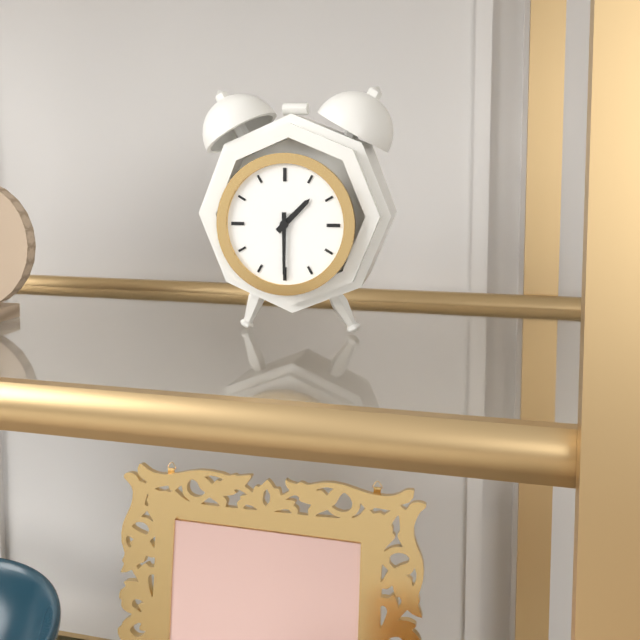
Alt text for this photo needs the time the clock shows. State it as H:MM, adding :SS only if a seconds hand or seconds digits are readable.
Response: 1:30
